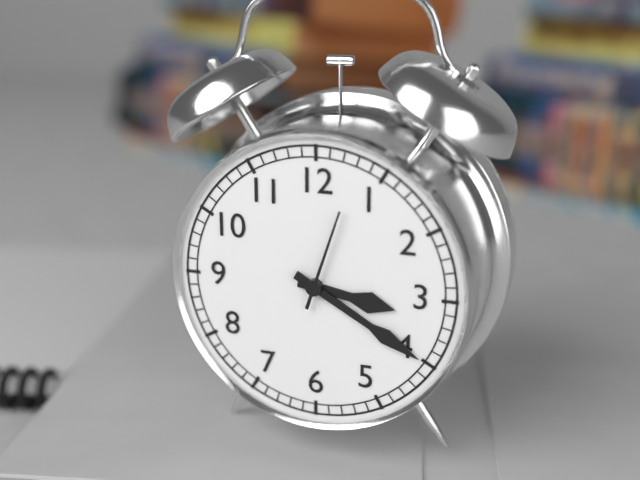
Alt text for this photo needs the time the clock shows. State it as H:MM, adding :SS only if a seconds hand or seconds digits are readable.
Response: 3:20:03
